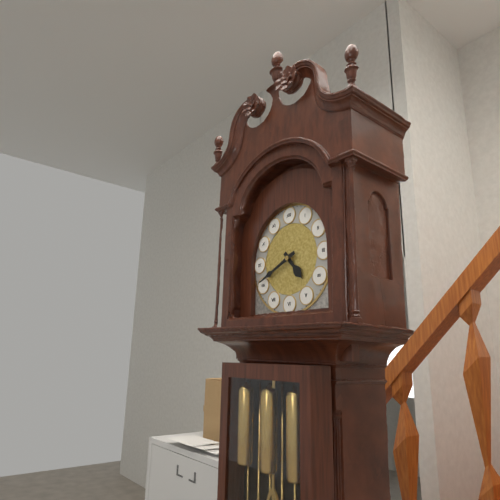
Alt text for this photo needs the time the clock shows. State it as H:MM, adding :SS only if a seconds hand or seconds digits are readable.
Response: 4:41
